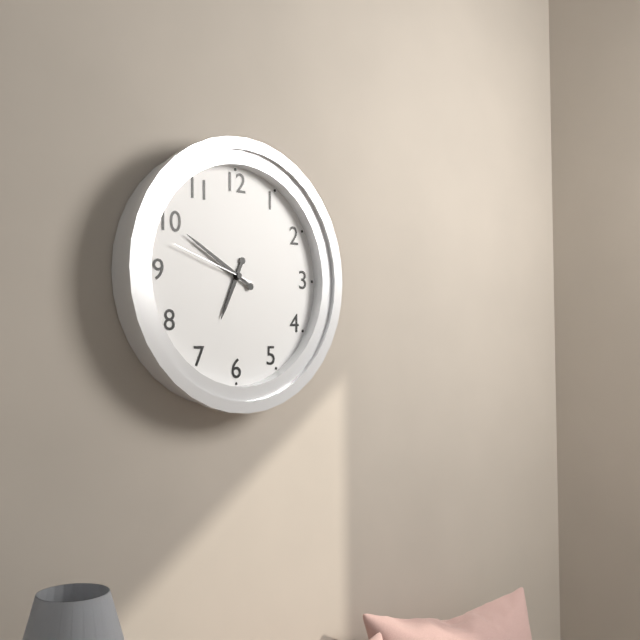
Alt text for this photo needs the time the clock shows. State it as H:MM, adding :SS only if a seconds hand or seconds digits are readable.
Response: 6:50:48
